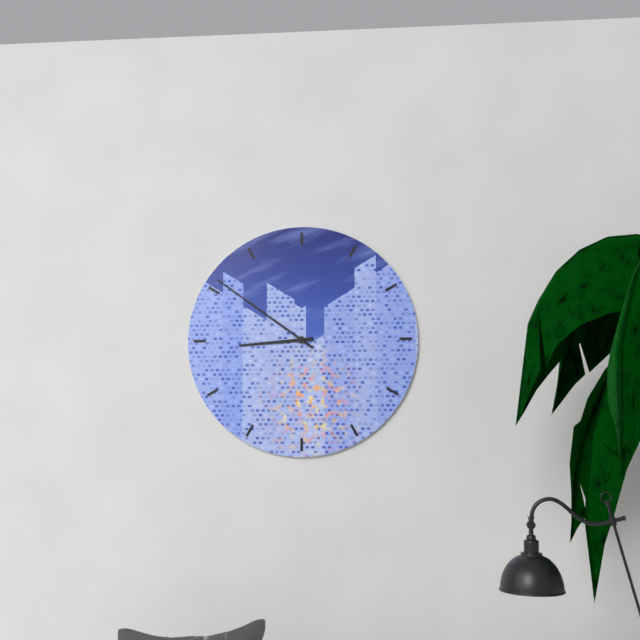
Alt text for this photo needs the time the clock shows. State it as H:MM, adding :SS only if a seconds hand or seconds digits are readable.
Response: 8:51
